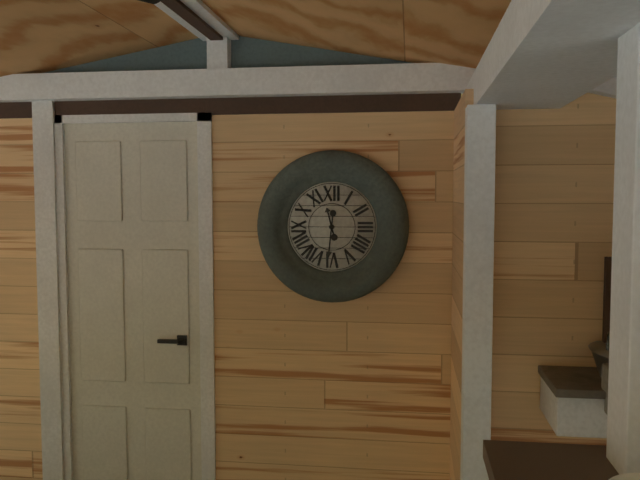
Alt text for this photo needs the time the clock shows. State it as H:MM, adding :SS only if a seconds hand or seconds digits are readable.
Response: 11:31
